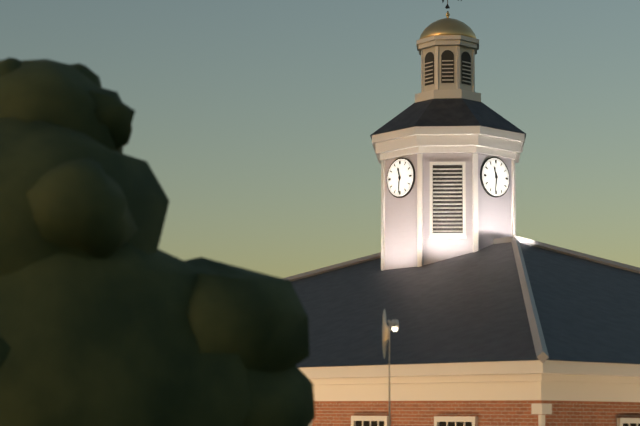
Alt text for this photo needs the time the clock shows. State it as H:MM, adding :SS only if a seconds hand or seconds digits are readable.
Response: 11:31
